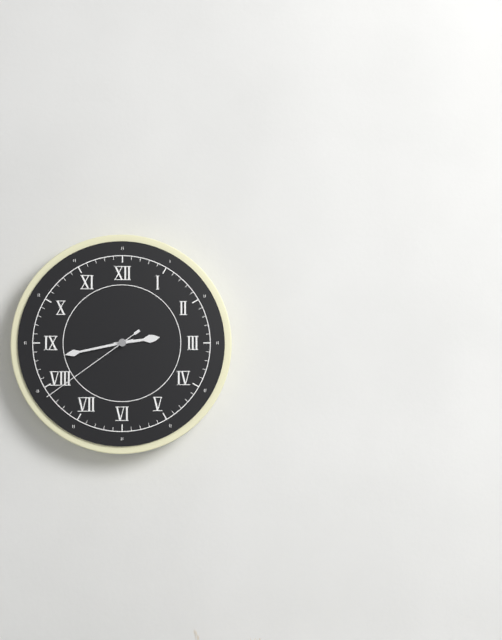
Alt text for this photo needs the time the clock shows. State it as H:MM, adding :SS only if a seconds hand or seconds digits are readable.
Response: 2:43:39
